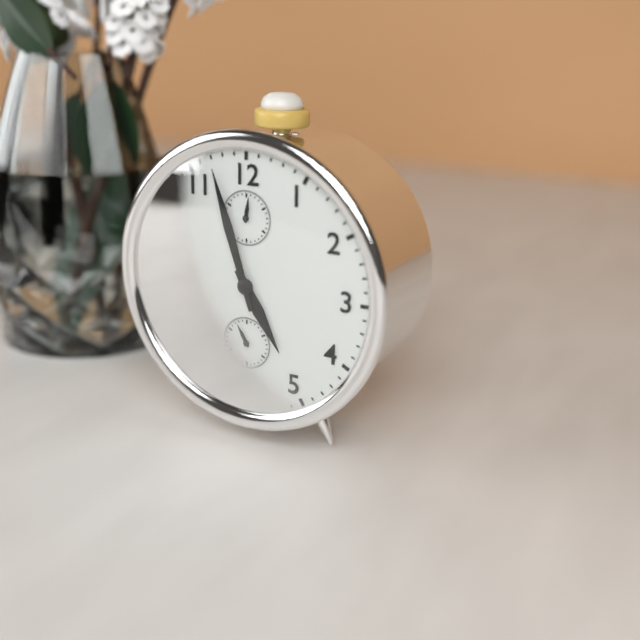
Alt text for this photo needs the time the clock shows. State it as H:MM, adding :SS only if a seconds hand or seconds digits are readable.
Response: 4:57
